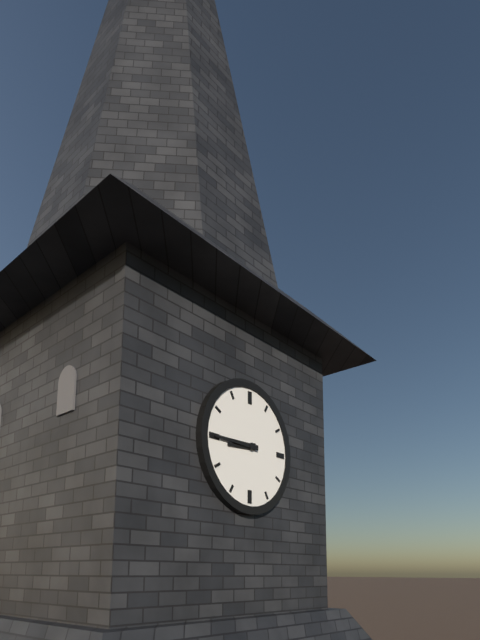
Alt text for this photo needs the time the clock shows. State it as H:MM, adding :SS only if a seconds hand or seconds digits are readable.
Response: 8:45
